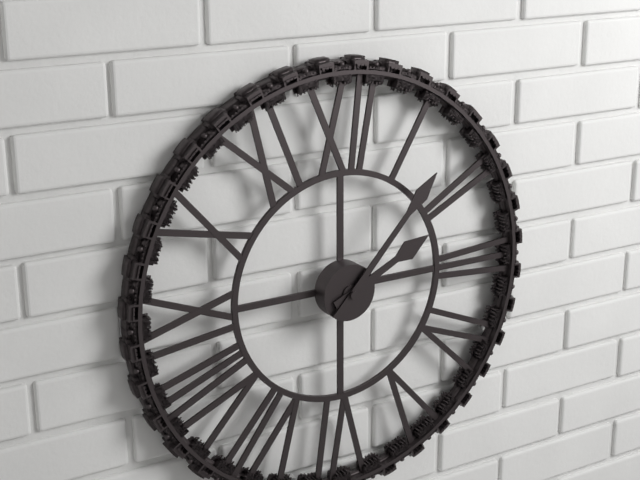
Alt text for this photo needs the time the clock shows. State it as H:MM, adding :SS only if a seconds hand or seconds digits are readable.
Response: 2:07
